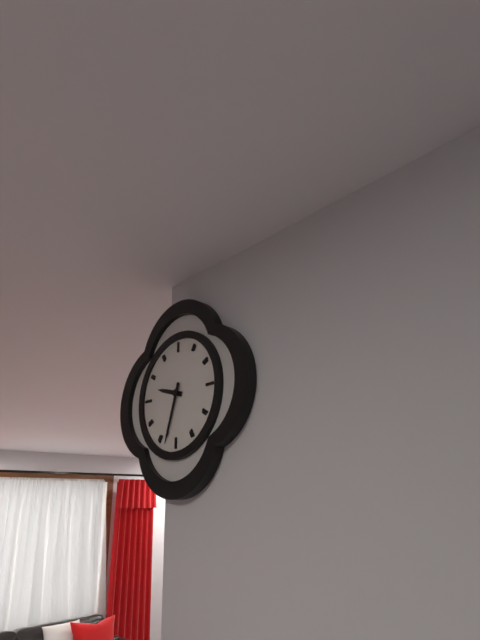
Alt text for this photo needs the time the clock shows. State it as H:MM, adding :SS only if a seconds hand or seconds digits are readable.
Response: 9:33
